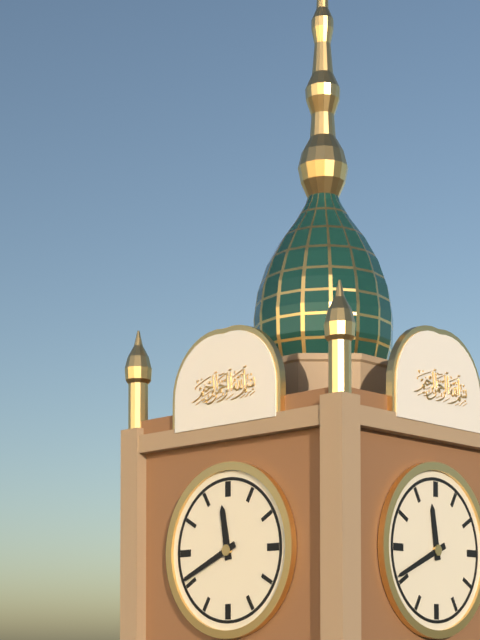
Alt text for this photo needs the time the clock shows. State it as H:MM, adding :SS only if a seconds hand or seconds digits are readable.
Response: 11:41
